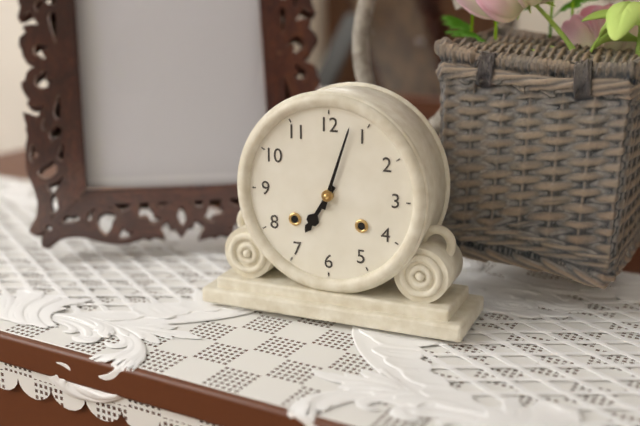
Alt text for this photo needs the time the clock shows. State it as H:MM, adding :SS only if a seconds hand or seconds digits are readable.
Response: 7:03
